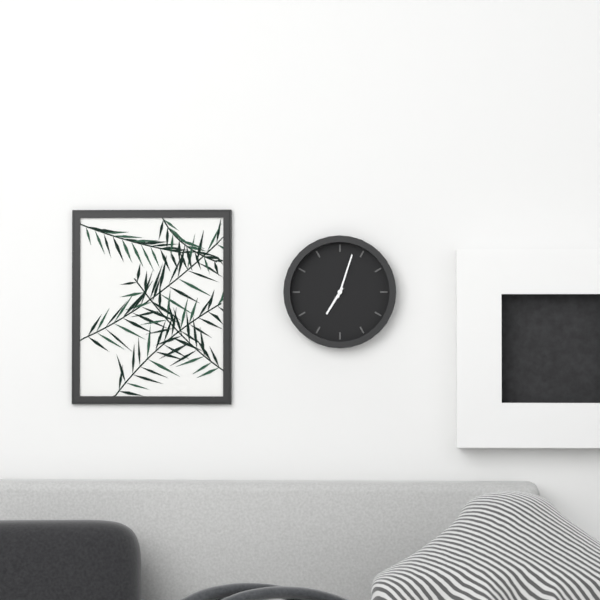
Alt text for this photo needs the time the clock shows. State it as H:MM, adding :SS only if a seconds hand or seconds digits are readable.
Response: 7:03
